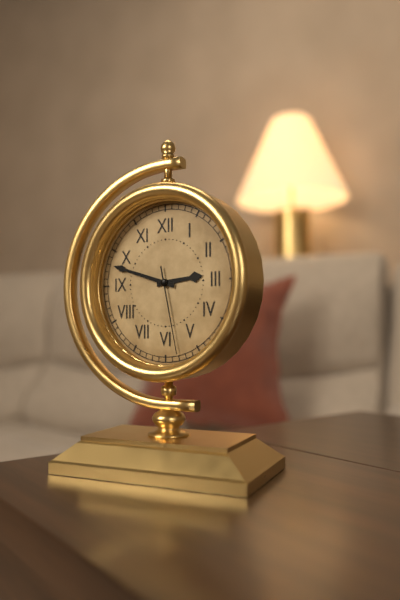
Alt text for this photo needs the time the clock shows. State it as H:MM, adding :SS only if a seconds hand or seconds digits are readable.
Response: 2:48:28
